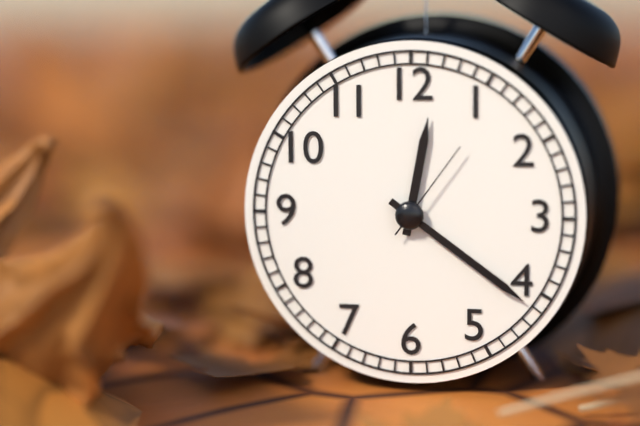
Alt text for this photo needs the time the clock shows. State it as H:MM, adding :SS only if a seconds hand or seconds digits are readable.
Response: 12:21:06
